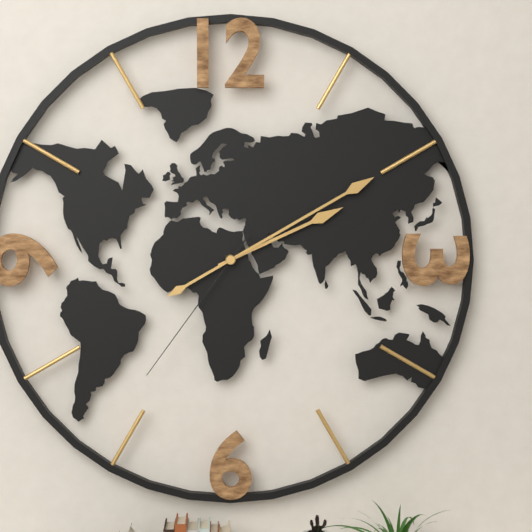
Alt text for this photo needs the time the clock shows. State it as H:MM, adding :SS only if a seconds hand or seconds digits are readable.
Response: 2:10:36
